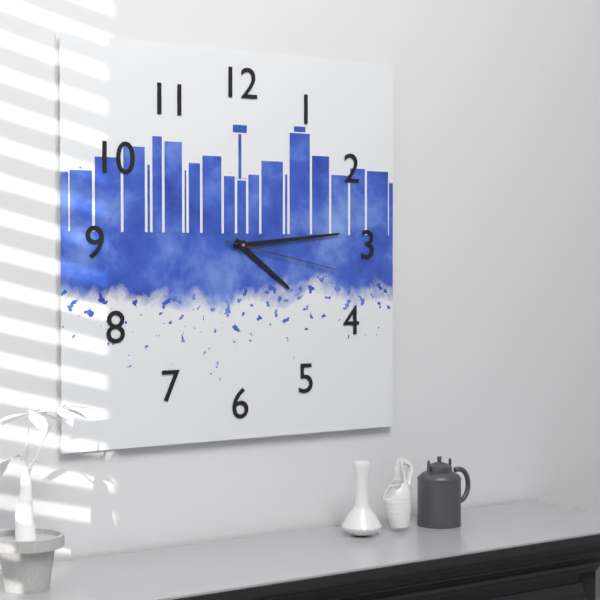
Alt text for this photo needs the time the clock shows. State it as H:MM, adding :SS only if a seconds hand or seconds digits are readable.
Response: 4:14:17
